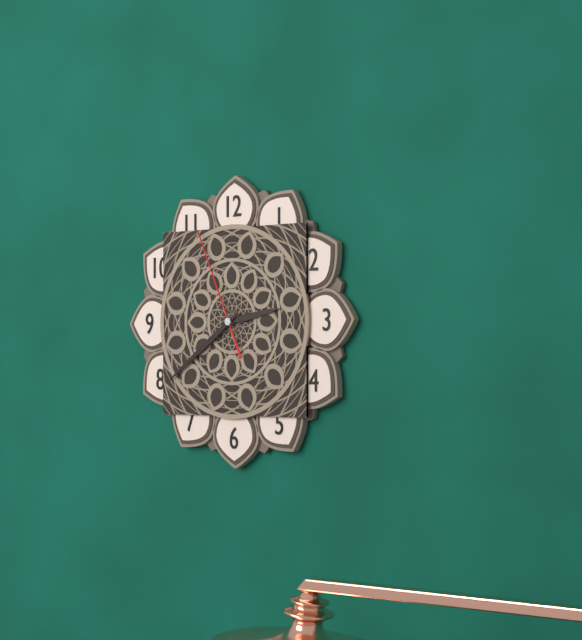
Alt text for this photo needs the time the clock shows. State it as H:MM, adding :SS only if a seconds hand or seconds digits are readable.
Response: 2:39:56
